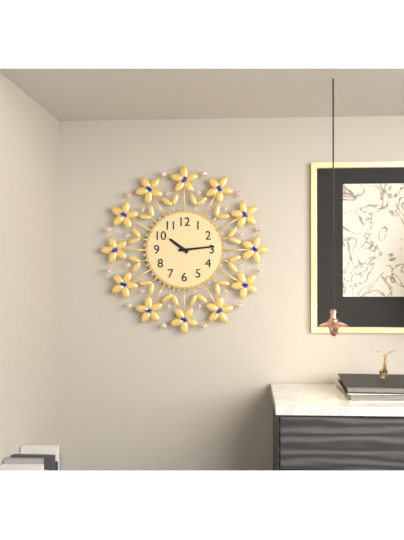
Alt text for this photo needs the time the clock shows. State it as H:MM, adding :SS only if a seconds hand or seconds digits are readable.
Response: 10:14
